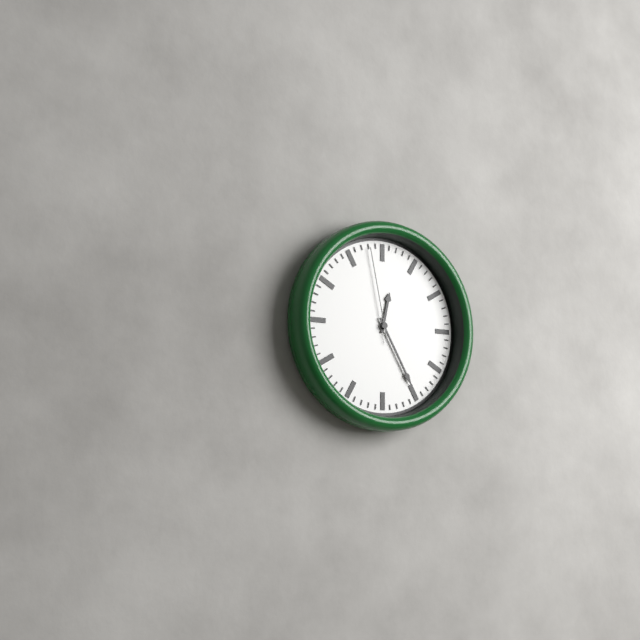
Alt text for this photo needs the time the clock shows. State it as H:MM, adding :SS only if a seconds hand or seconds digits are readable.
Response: 12:25:58
